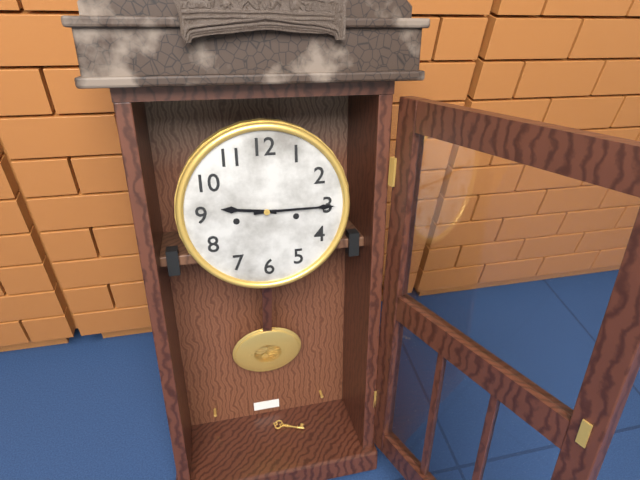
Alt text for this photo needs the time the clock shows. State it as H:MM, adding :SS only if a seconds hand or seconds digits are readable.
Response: 9:15
